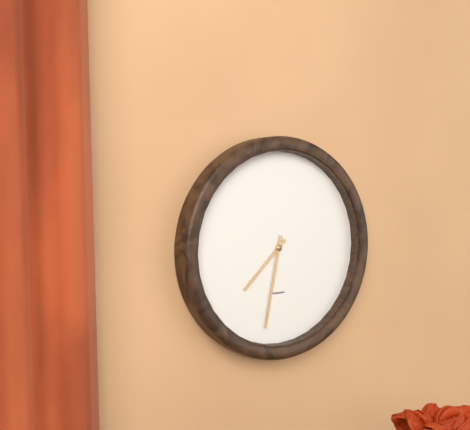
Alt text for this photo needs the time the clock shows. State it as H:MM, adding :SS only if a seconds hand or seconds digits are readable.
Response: 7:32
